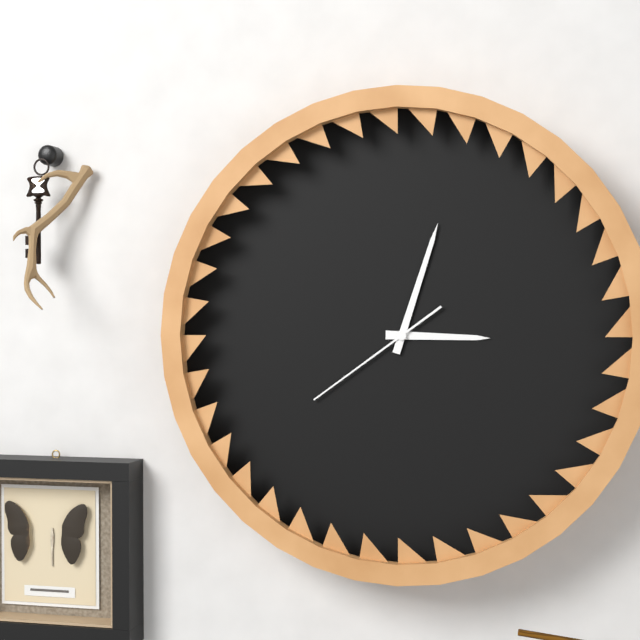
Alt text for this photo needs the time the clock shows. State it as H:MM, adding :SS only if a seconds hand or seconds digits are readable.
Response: 3:03:39
